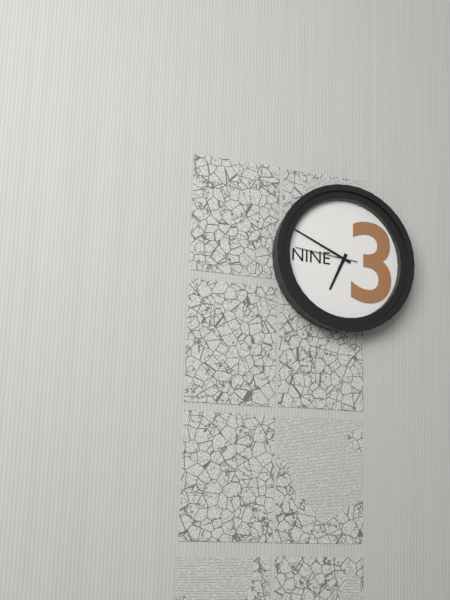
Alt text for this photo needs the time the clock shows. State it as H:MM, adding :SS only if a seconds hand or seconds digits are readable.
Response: 6:49:46
